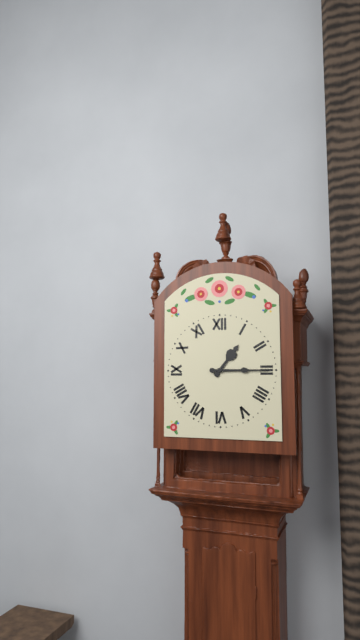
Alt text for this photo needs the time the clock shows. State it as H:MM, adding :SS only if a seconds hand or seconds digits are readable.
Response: 1:15
